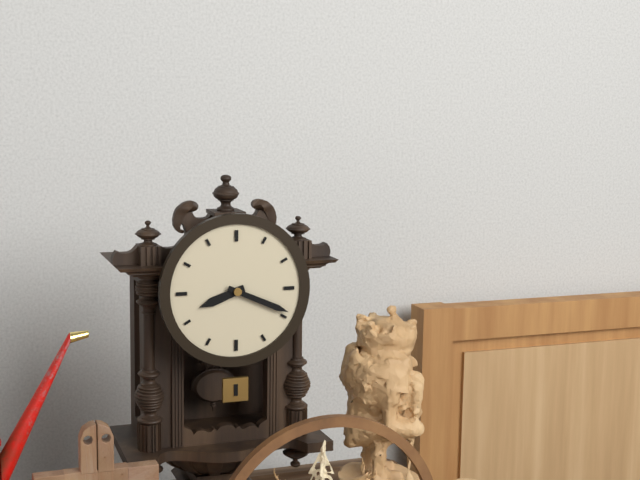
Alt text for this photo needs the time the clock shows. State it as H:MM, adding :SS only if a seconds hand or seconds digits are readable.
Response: 8:19
